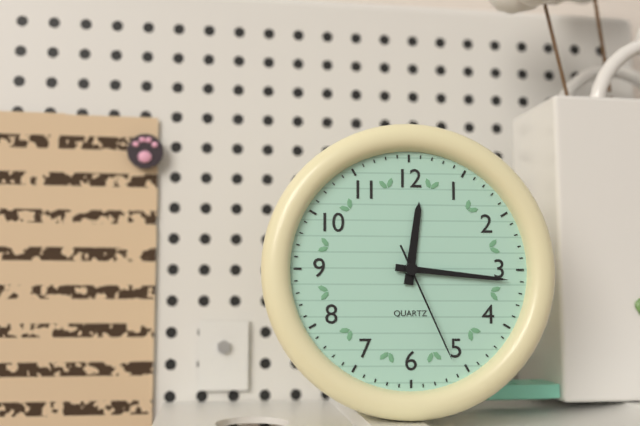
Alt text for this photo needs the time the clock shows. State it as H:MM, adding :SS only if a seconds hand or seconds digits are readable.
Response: 12:16:26
